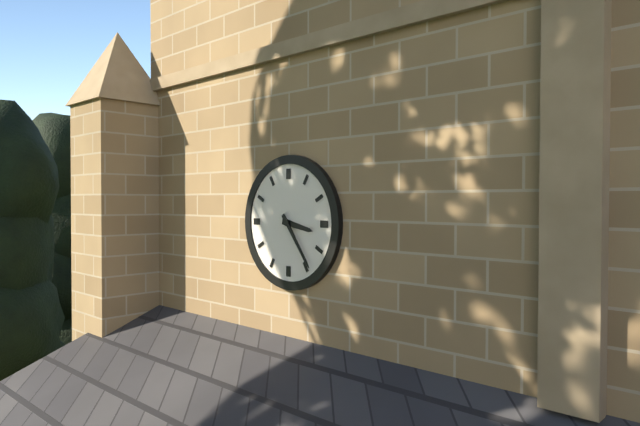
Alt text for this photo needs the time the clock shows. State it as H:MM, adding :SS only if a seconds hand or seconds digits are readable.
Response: 3:24
